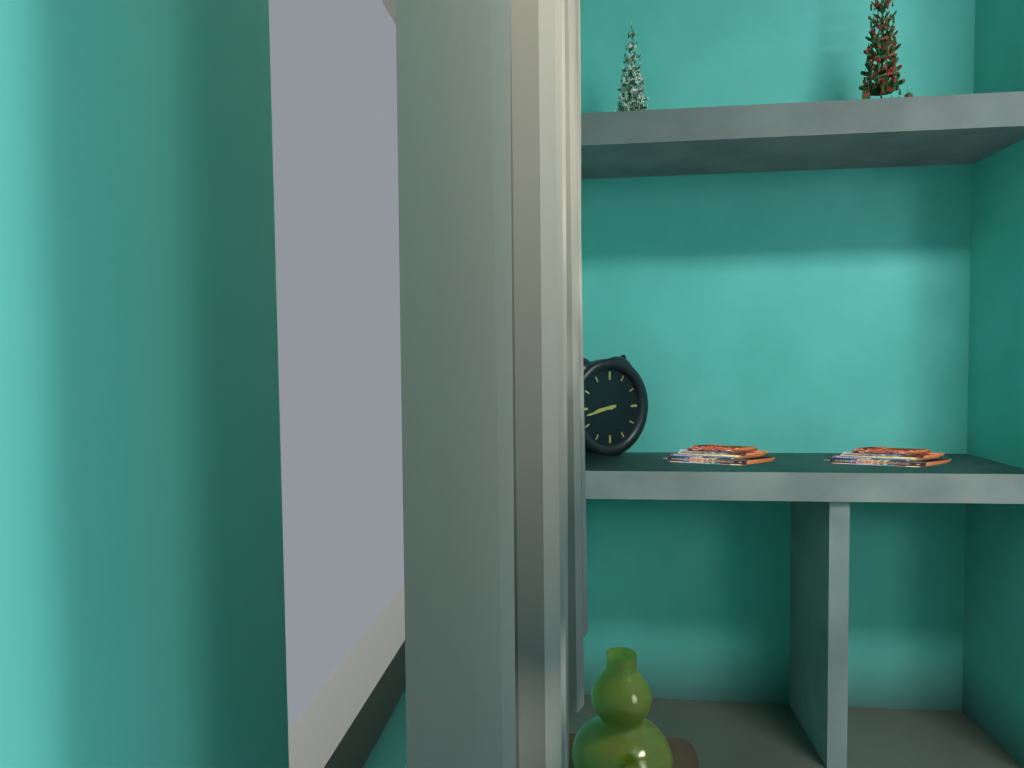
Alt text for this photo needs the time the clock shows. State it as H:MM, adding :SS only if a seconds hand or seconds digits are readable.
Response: 8:43
